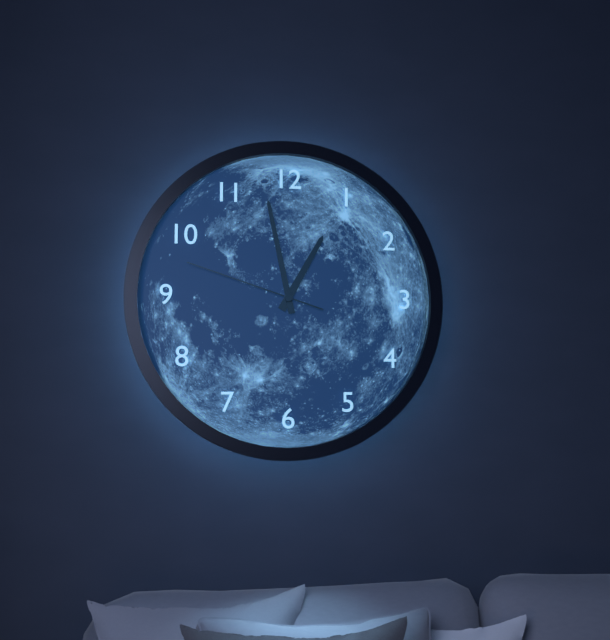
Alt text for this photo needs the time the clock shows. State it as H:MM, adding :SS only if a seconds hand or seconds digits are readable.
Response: 12:58:48
